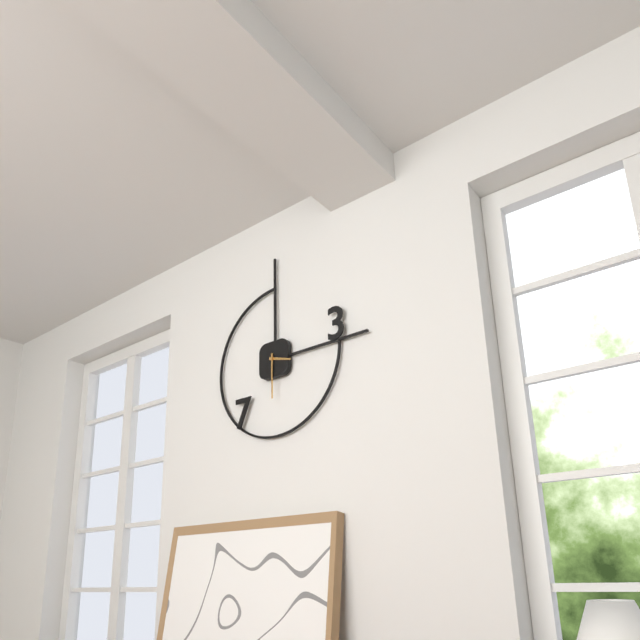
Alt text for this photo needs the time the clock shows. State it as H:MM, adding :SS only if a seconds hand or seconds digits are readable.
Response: 3:30
